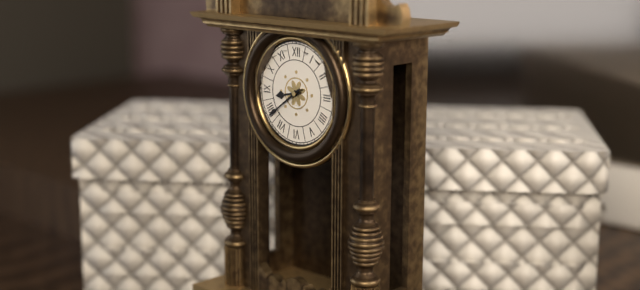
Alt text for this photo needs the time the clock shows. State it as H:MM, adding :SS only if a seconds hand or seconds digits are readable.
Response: 8:39
